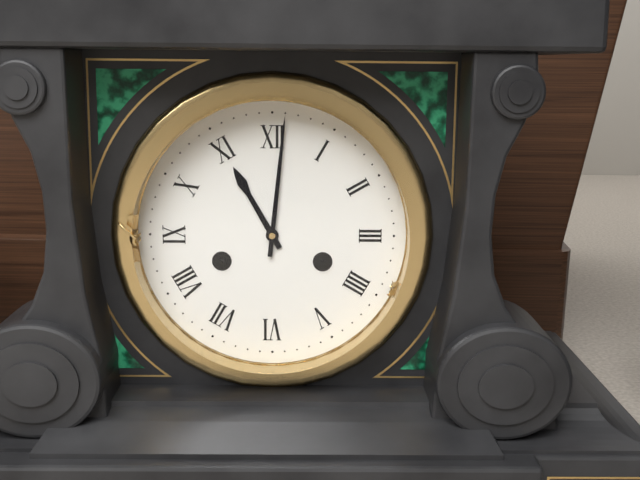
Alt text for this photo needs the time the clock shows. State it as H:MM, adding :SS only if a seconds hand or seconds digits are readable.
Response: 11:01
